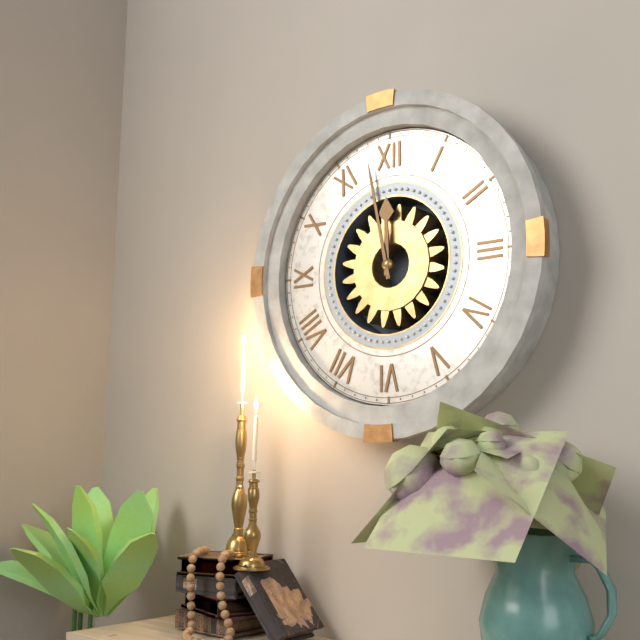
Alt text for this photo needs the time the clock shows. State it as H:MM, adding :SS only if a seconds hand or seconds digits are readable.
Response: 11:58
